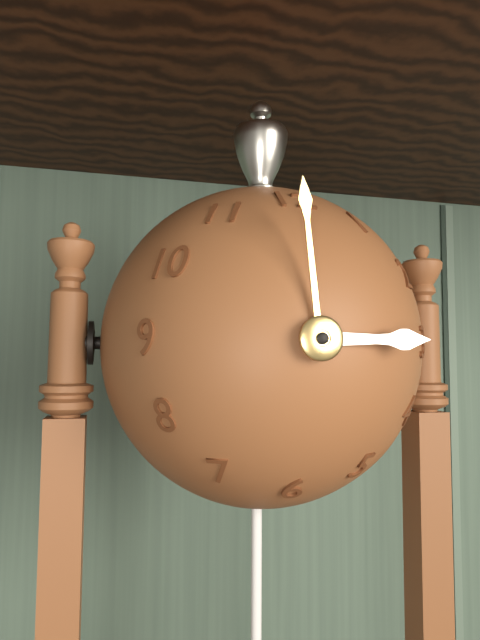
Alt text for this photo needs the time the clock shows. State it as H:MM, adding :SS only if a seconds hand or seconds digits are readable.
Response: 2:59
